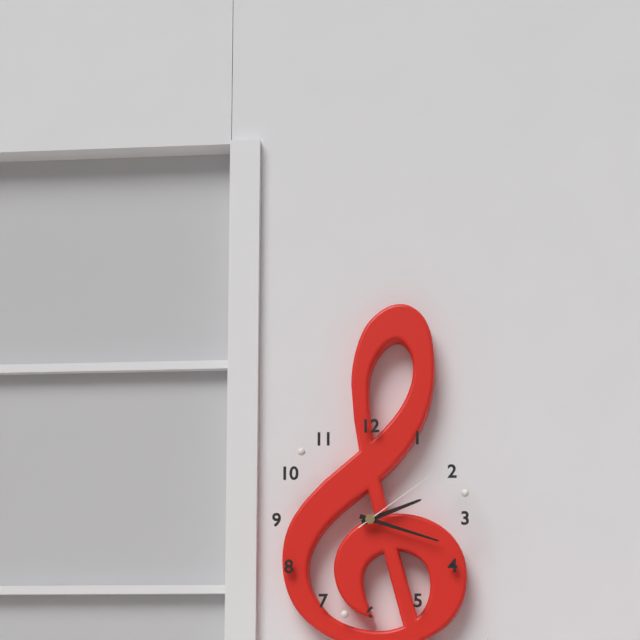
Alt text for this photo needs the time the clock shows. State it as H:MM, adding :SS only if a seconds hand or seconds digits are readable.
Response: 2:18:09
